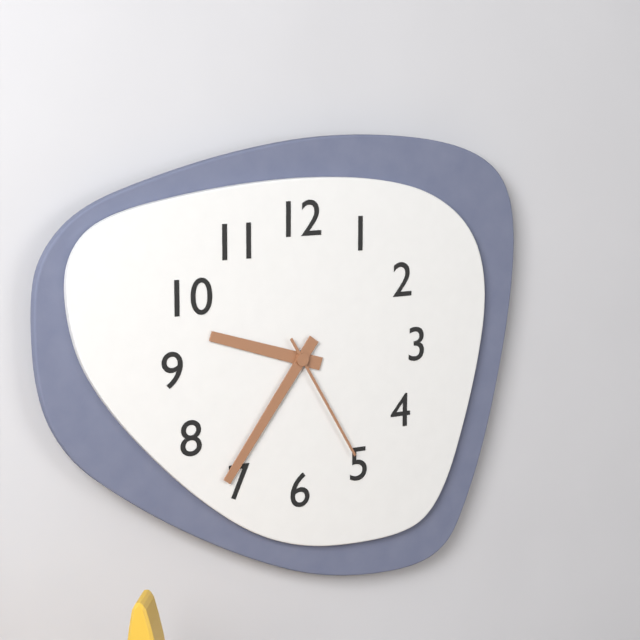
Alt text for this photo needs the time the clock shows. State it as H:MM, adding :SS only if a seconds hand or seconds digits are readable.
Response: 9:36:25
